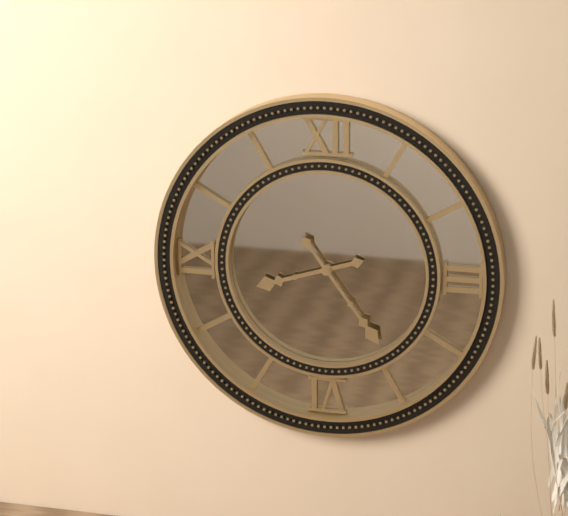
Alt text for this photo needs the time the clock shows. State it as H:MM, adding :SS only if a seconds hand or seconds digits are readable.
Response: 8:24
